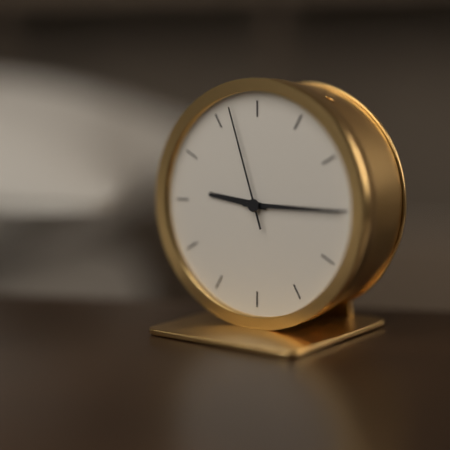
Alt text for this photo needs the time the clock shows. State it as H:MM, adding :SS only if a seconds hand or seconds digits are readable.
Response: 9:15:57
